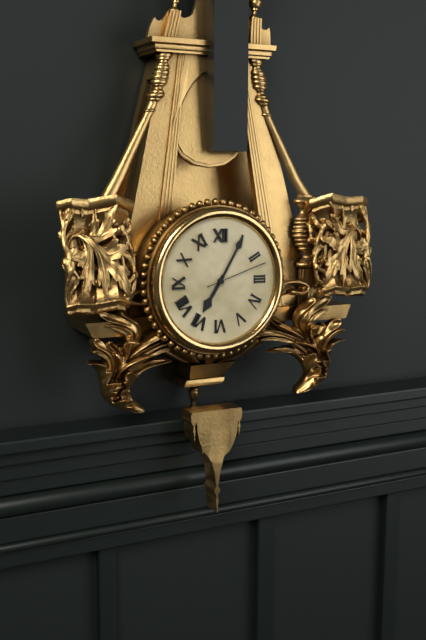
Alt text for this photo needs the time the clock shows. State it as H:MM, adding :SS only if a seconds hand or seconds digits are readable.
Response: 7:05:12
